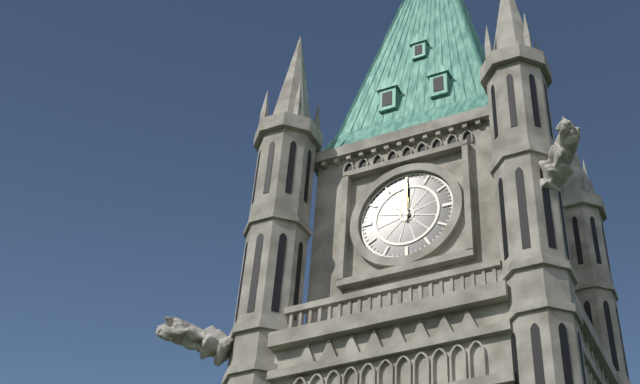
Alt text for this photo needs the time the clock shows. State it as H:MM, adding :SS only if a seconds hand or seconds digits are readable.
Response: 12:00
